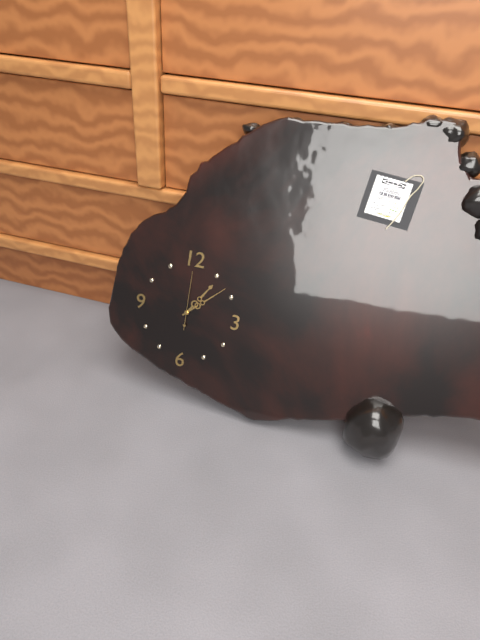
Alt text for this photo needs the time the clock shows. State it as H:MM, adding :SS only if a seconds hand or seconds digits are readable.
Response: 1:08:00
